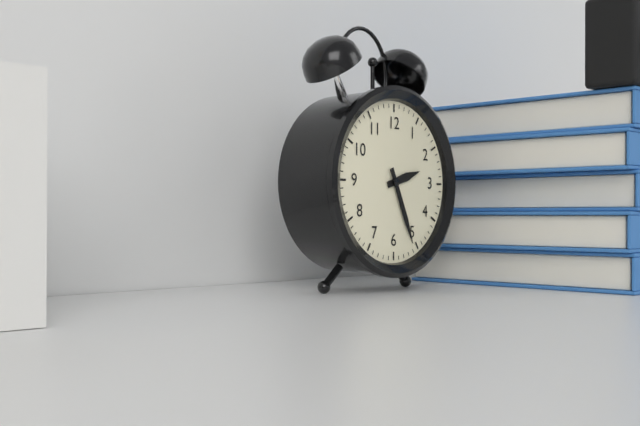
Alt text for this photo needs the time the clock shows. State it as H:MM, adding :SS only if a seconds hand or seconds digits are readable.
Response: 2:26
